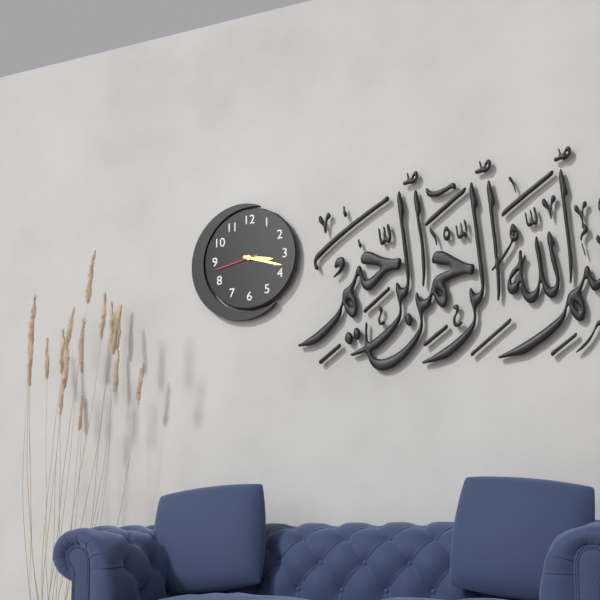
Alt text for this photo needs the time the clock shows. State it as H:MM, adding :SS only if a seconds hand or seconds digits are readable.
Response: 3:18:43
